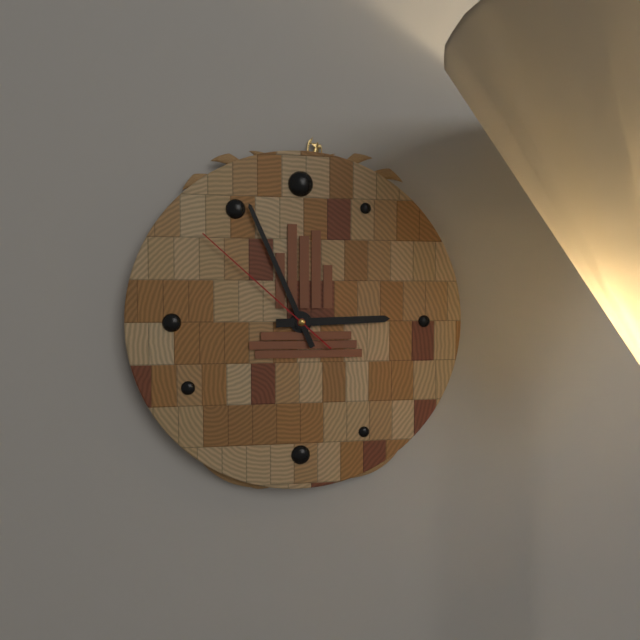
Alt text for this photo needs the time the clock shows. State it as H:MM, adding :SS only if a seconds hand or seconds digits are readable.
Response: 2:56:52
